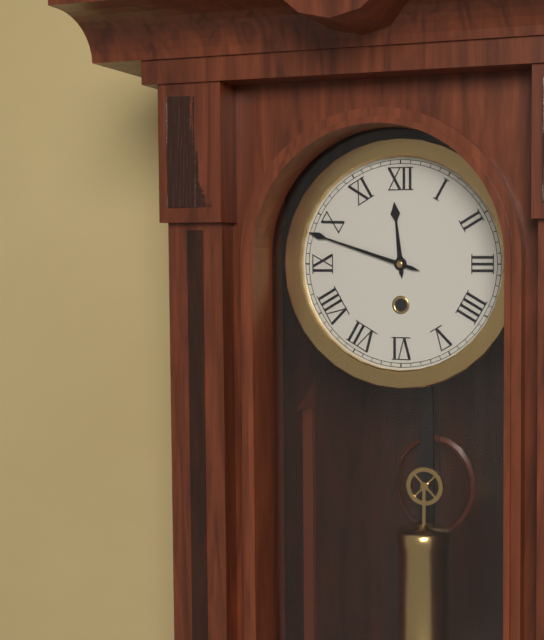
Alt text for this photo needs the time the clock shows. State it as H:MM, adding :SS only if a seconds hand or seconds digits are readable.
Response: 11:48
